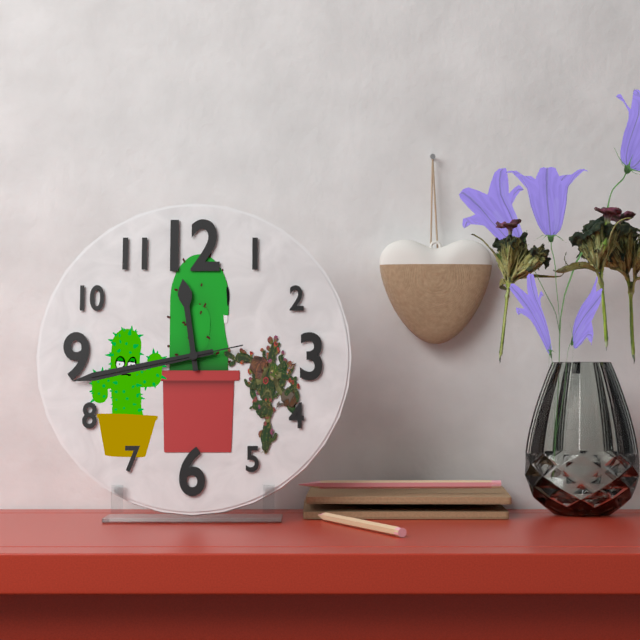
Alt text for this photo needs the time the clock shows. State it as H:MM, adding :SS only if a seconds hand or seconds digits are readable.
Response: 11:43:43
